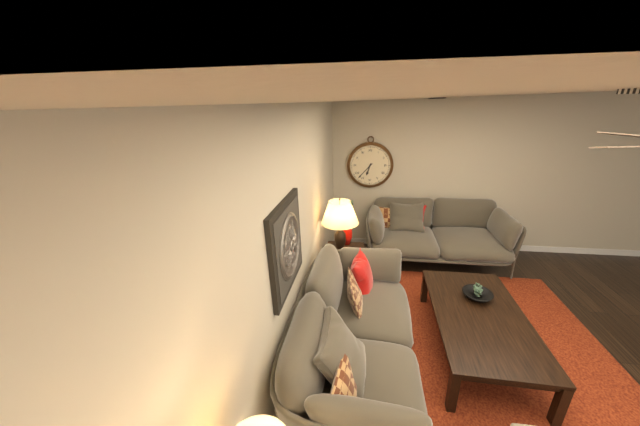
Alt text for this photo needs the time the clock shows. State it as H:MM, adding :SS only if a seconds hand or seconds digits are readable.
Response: 6:37
